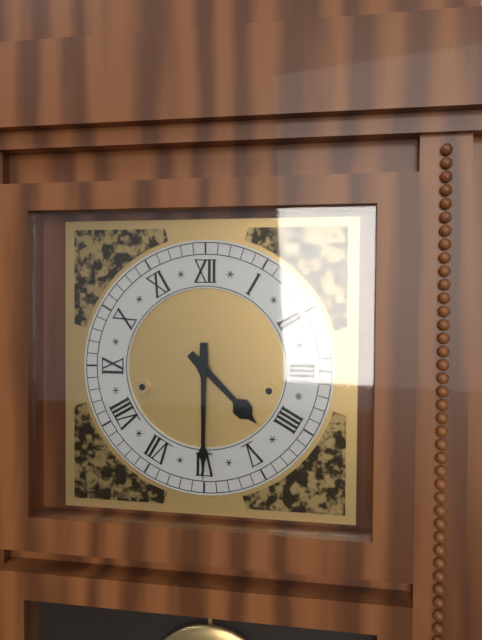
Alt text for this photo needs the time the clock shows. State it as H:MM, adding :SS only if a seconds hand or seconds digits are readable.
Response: 4:30
